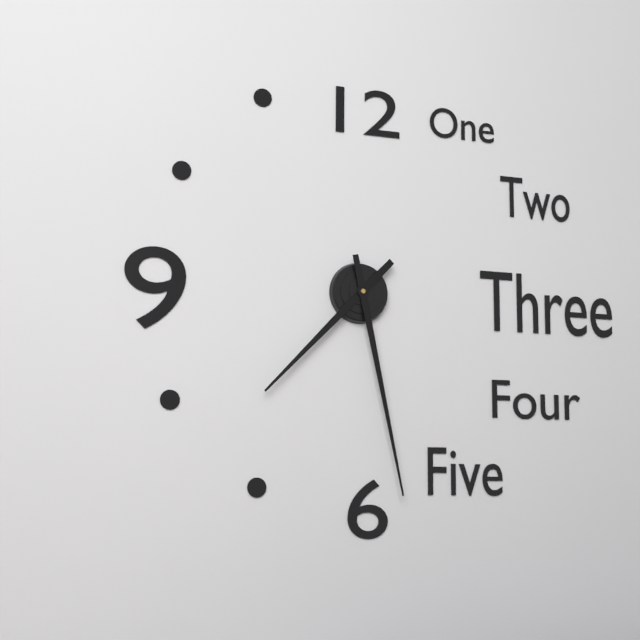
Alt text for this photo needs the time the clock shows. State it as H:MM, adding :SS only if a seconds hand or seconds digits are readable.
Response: 7:28
